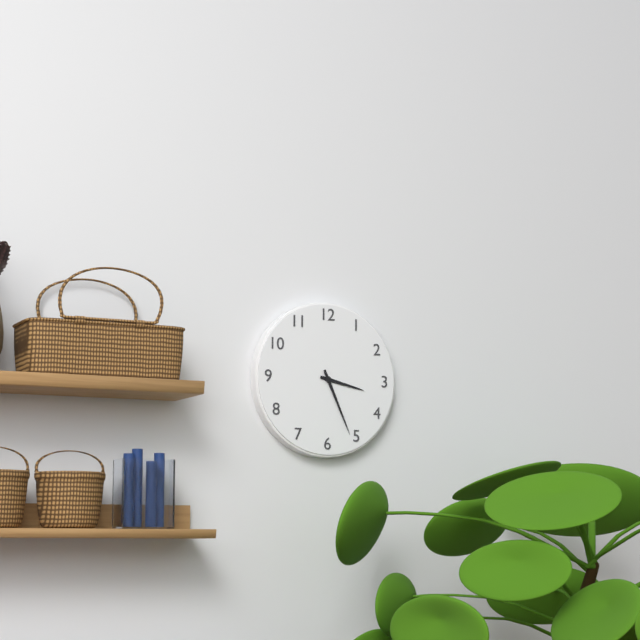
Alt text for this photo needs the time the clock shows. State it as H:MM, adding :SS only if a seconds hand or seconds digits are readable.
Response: 3:26
